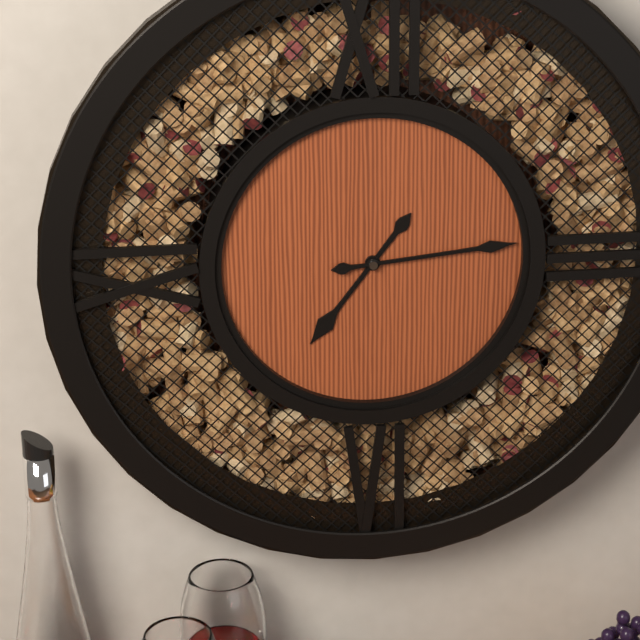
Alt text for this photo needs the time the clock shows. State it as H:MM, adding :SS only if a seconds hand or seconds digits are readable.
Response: 7:14
